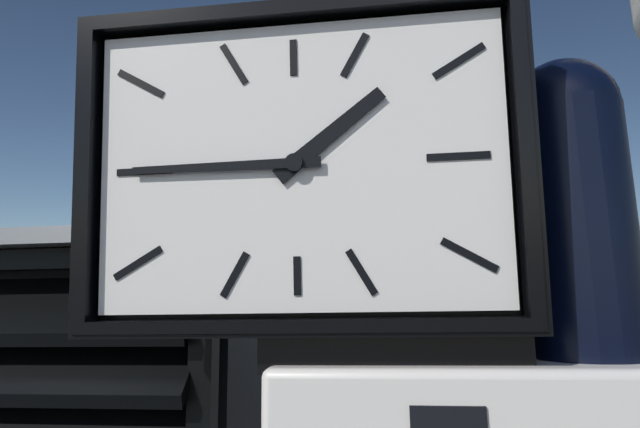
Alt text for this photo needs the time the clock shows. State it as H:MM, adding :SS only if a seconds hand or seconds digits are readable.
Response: 1:45
